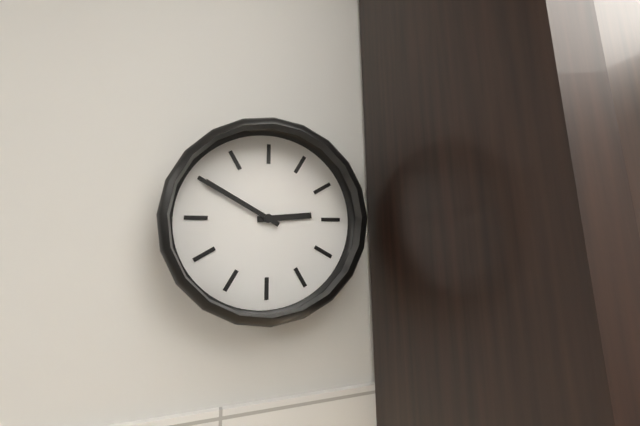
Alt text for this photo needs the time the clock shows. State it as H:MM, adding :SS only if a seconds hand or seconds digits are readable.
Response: 2:50
